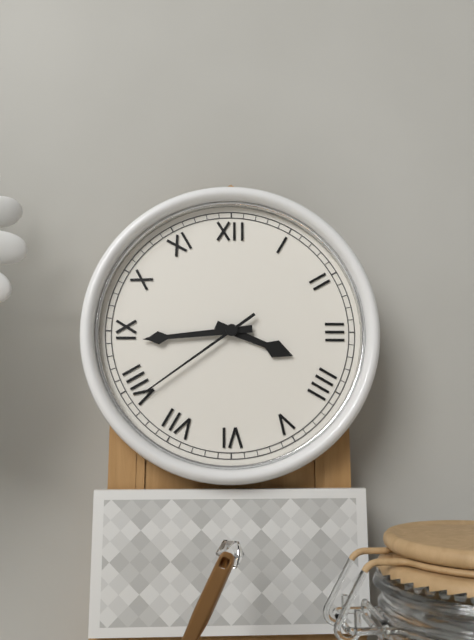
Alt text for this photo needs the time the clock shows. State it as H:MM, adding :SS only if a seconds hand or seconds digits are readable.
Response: 3:44:39
